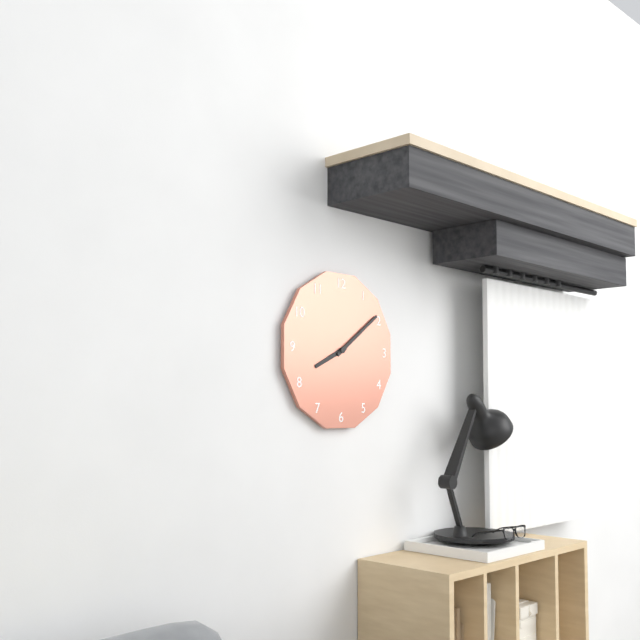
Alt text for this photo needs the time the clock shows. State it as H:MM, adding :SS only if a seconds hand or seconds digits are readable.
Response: 8:09
